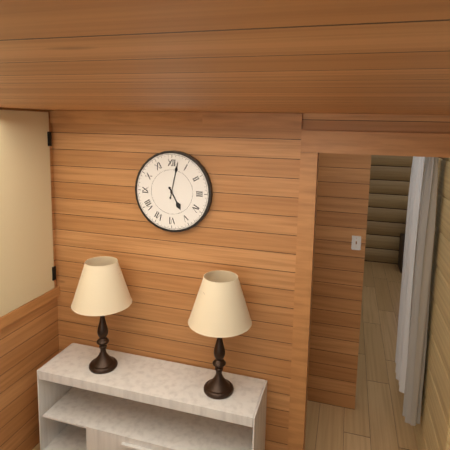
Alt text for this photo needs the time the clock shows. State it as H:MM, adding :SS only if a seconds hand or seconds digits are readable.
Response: 5:02
